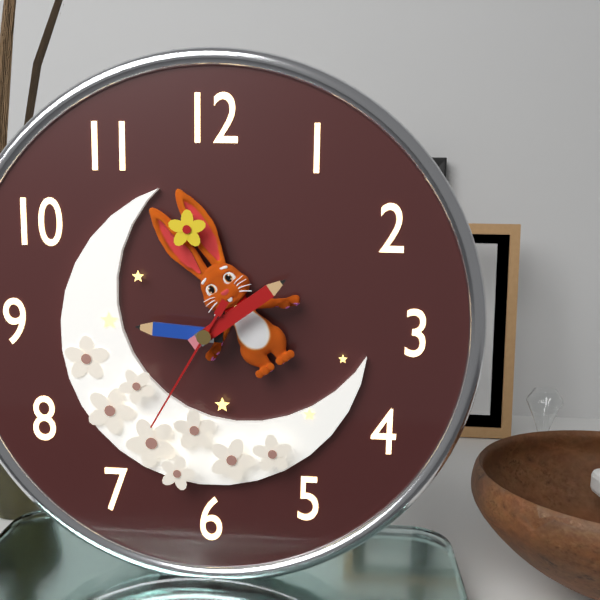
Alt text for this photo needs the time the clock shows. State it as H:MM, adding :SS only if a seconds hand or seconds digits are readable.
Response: 9:09:35
